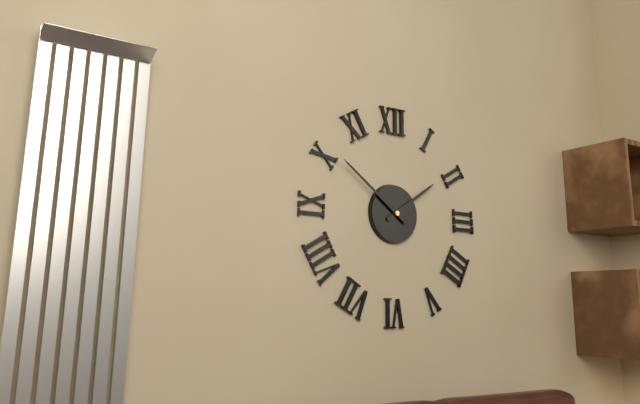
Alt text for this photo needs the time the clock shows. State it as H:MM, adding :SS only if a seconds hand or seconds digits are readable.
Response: 1:51
